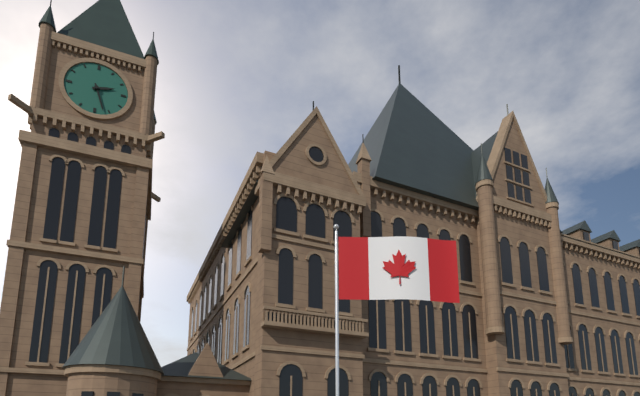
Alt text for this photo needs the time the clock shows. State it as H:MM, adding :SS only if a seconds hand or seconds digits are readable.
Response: 2:27
